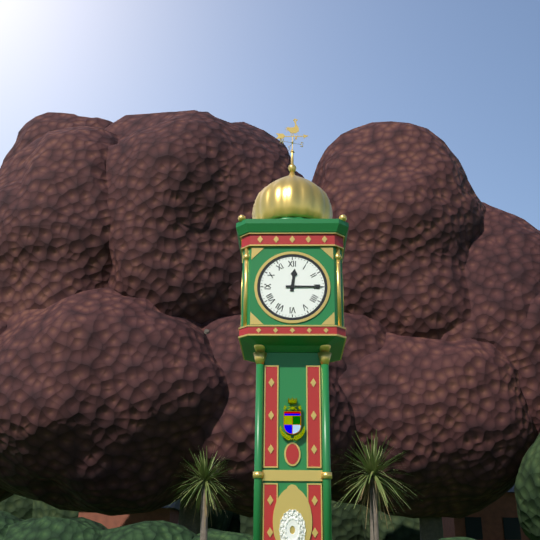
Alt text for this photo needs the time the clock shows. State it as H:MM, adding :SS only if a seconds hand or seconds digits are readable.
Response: 12:15
